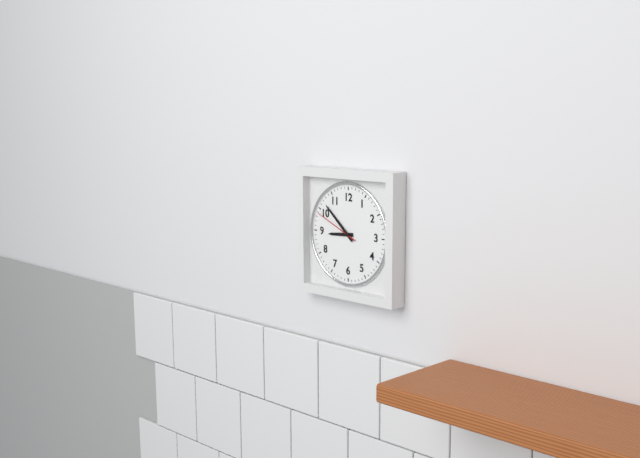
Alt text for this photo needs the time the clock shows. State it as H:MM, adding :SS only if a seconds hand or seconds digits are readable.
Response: 8:52
